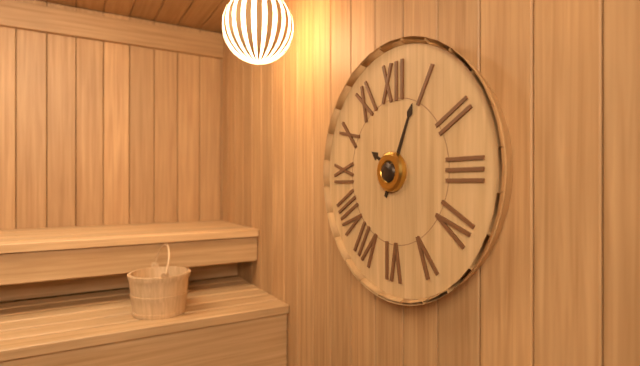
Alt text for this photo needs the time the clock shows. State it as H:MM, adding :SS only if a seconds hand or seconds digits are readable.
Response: 10:04
